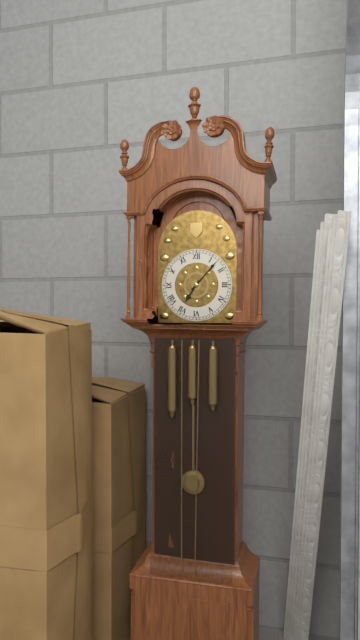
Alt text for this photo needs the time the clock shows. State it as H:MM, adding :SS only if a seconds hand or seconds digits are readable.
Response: 7:07
